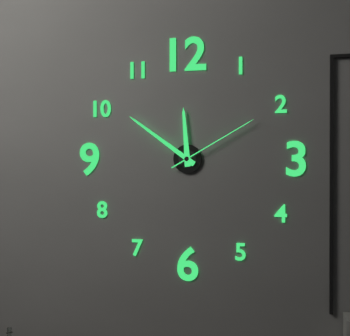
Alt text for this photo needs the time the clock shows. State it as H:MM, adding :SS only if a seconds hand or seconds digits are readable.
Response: 11:51:10
